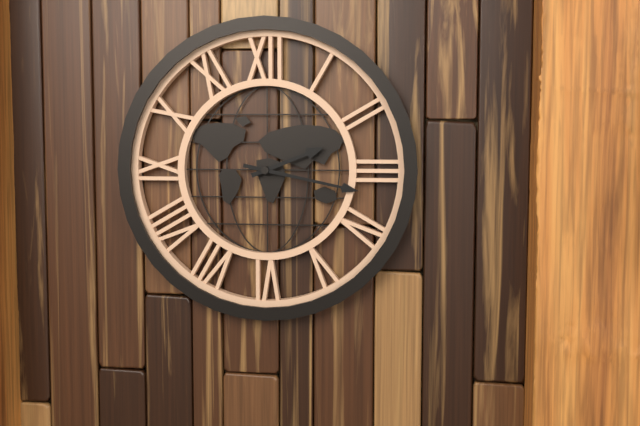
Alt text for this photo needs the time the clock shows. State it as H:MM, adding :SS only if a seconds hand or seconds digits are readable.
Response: 2:17
